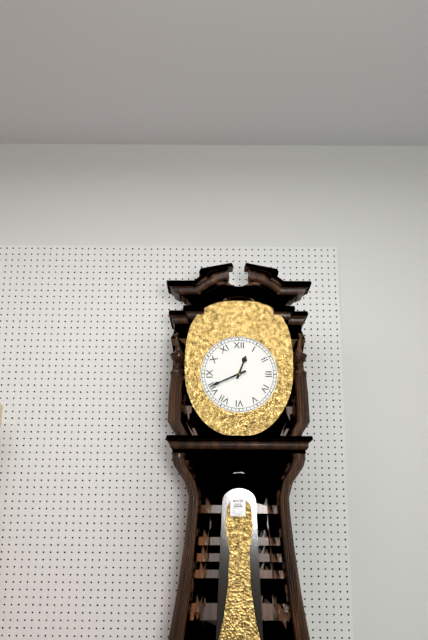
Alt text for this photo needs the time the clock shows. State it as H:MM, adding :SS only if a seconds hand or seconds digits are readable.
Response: 12:41
